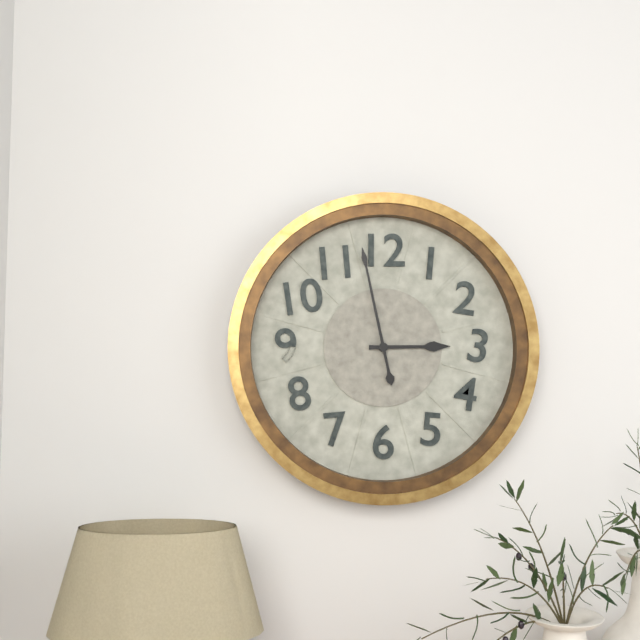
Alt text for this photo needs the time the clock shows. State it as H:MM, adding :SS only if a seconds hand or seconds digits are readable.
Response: 2:58
